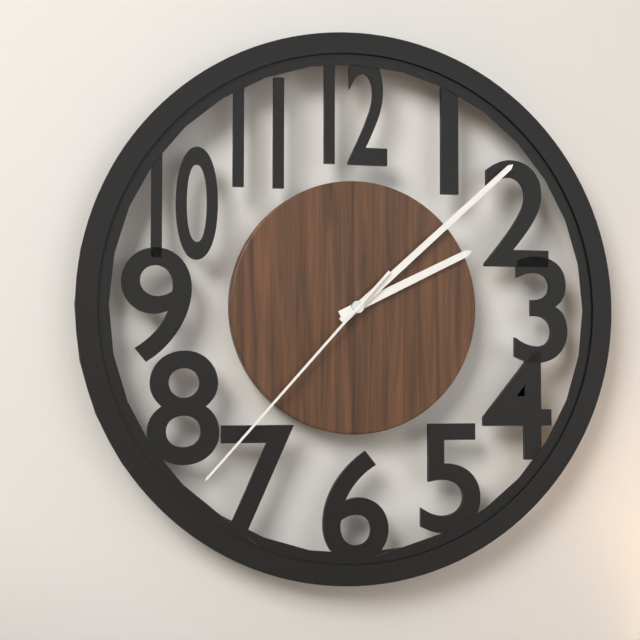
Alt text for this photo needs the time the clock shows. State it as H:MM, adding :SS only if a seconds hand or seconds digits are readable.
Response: 2:08:37
